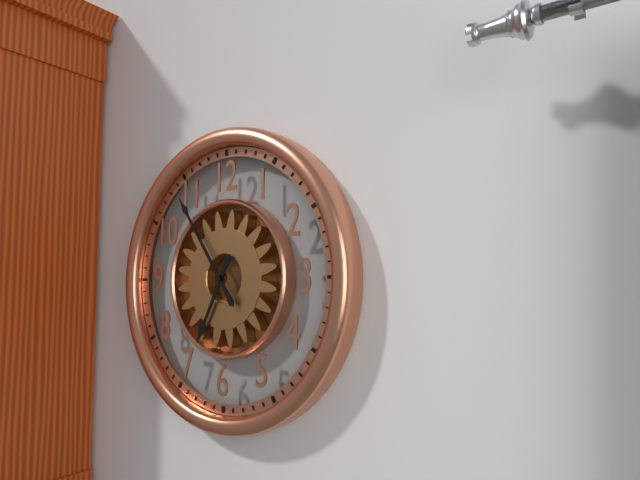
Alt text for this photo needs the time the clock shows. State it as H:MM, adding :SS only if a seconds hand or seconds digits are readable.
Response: 6:54
